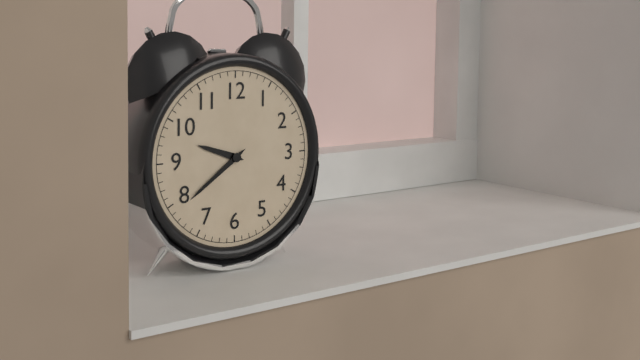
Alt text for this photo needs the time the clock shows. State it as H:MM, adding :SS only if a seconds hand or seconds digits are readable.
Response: 9:39
